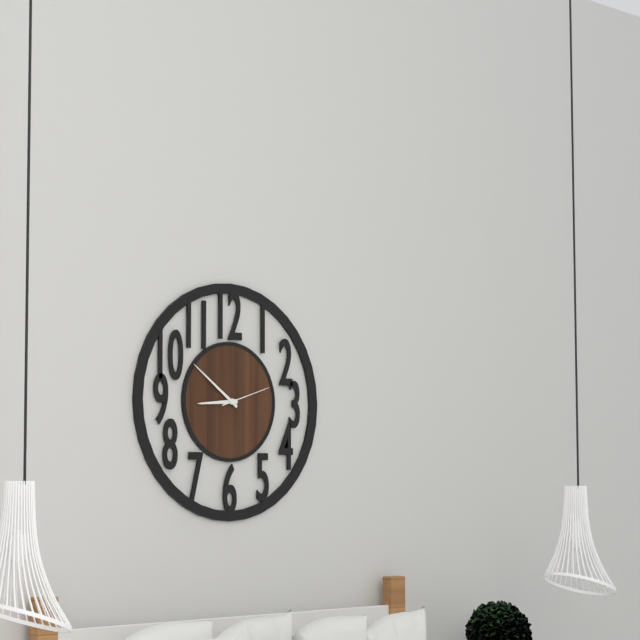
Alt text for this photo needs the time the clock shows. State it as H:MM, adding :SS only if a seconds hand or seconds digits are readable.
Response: 8:51:12
